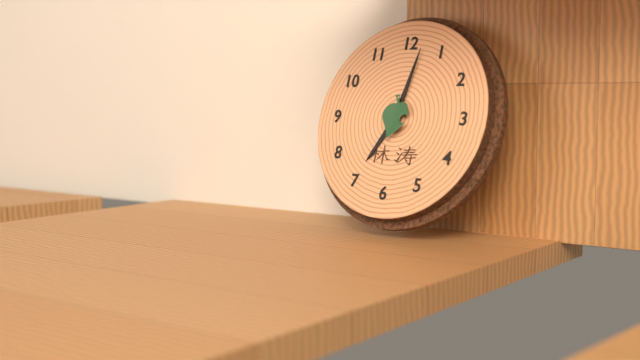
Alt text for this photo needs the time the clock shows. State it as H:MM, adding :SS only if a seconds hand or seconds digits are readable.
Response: 7:02
